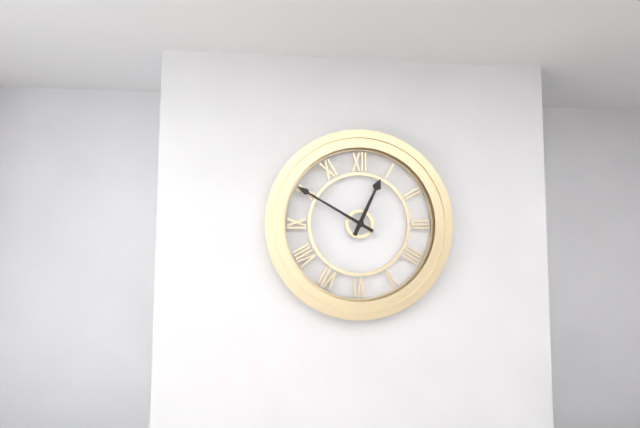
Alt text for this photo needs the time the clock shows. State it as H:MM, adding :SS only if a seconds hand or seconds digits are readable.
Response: 12:50
